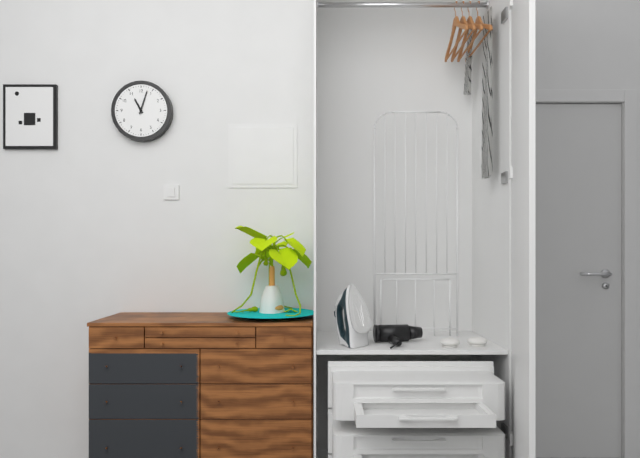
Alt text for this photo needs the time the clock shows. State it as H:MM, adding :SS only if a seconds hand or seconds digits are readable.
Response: 11:03
